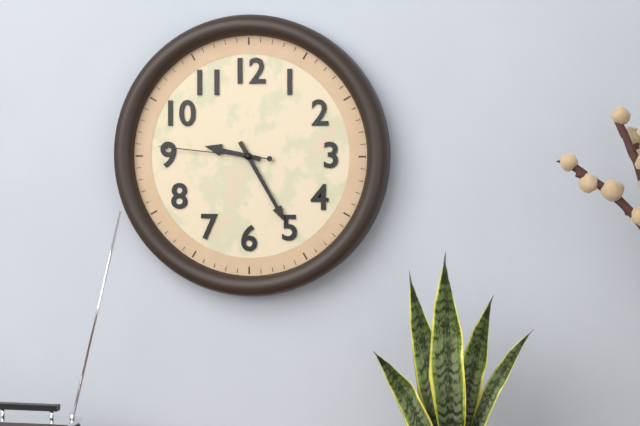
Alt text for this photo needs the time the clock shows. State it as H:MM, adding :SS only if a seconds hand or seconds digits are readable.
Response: 9:25:46
